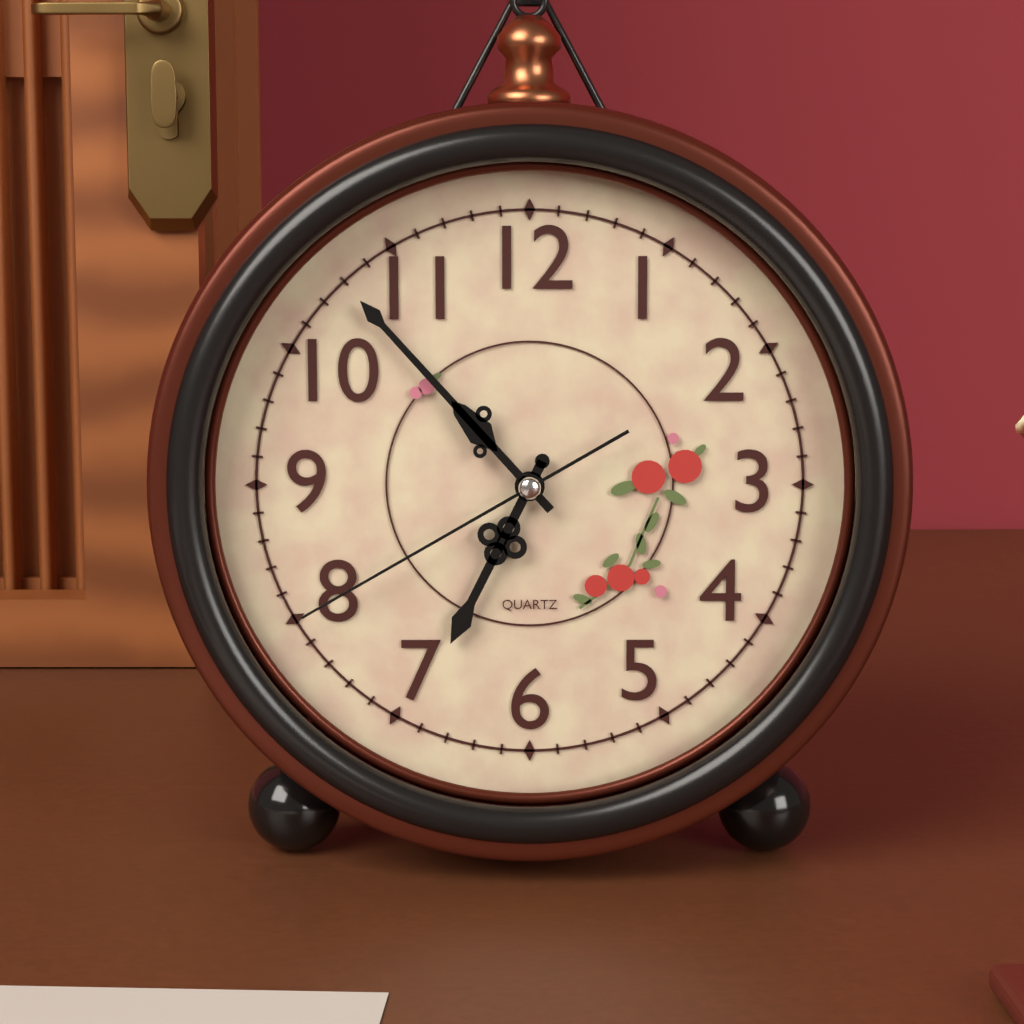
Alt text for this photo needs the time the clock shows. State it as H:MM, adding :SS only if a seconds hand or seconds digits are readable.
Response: 6:53:40
